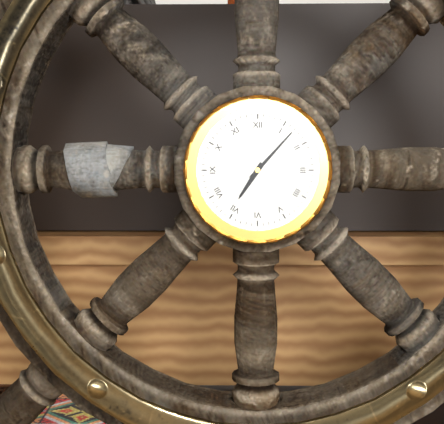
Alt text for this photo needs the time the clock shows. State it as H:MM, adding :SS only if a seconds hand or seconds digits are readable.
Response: 7:07
